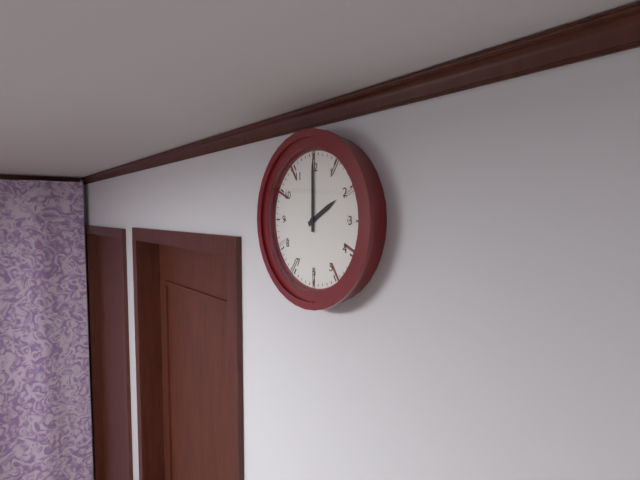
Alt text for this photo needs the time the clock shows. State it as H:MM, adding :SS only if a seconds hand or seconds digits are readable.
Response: 2:00
